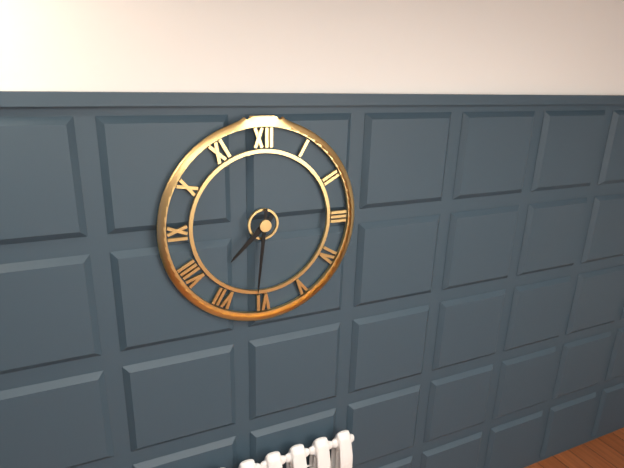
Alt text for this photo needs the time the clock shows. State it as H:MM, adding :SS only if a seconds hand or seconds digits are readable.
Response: 7:31
